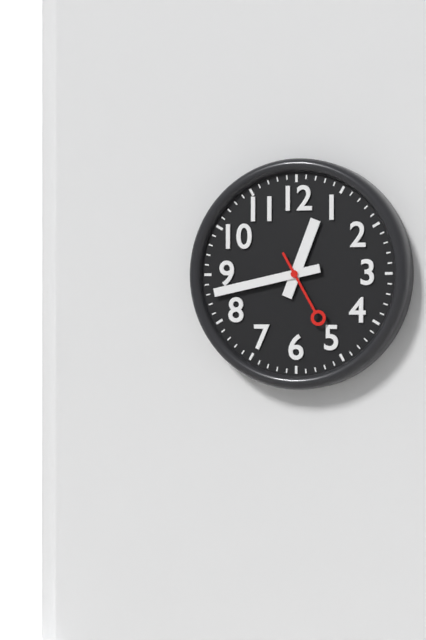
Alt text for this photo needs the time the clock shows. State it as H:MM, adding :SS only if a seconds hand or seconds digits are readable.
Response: 12:43:25
